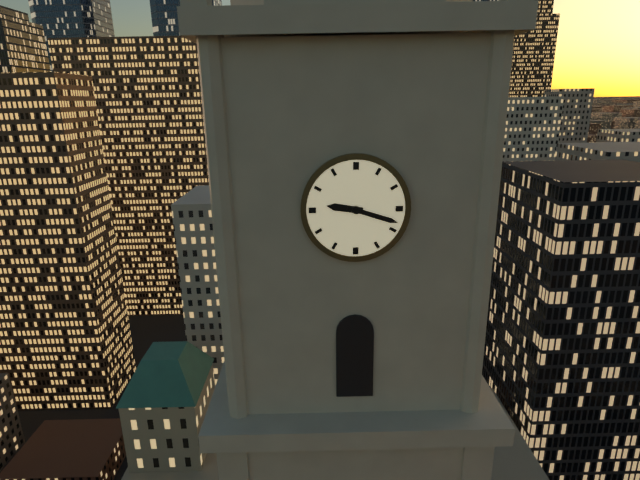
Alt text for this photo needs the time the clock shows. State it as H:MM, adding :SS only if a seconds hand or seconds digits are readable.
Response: 9:18
